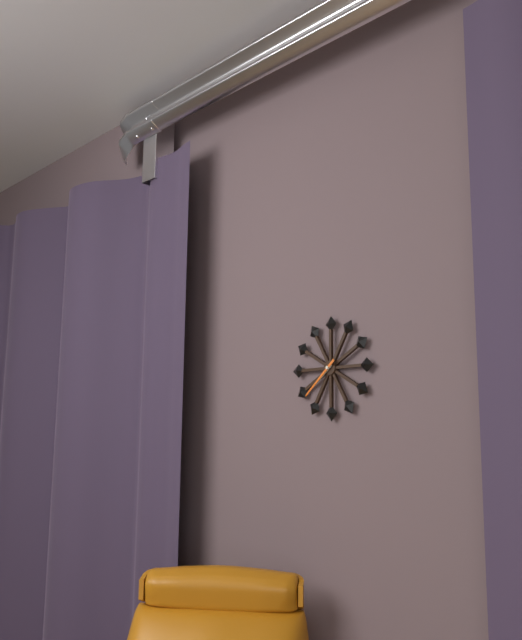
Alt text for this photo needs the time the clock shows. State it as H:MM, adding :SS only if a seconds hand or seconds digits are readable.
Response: 7:38
